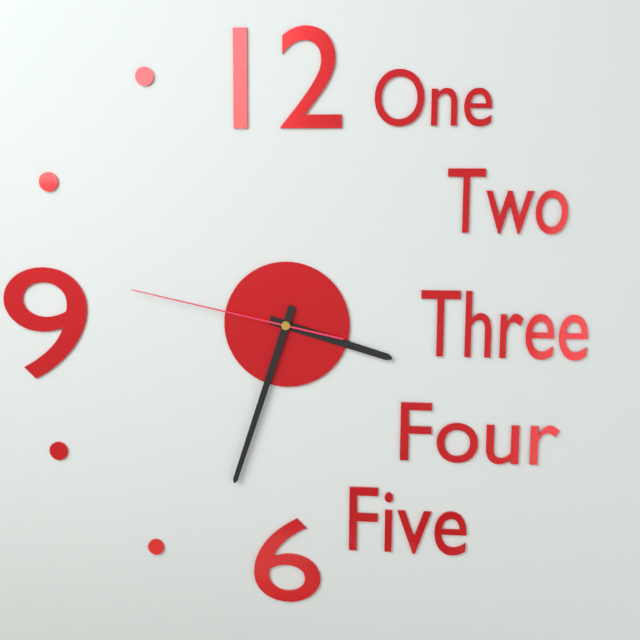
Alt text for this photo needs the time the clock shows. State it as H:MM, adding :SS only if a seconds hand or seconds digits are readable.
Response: 3:33:47
